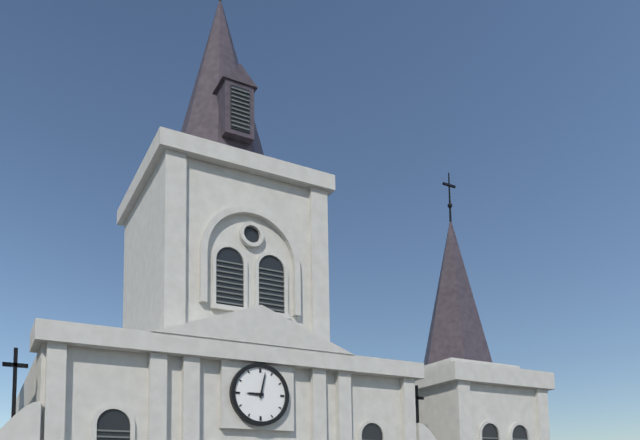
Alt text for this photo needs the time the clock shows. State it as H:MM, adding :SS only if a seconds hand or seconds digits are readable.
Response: 9:02
